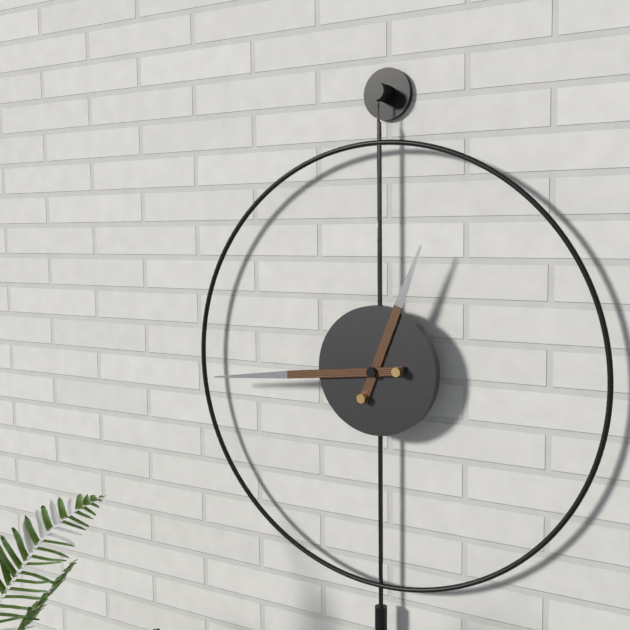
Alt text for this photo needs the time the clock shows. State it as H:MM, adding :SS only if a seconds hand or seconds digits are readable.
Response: 12:44
